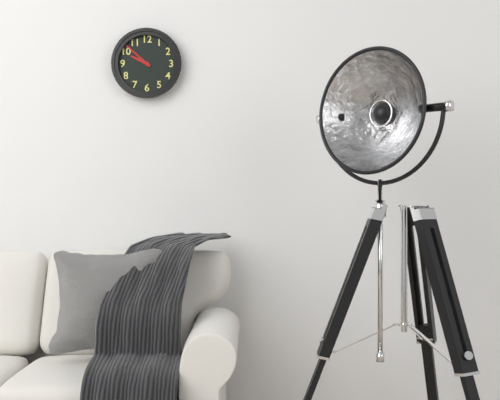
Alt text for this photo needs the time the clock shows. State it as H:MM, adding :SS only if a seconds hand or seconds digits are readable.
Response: 9:52
